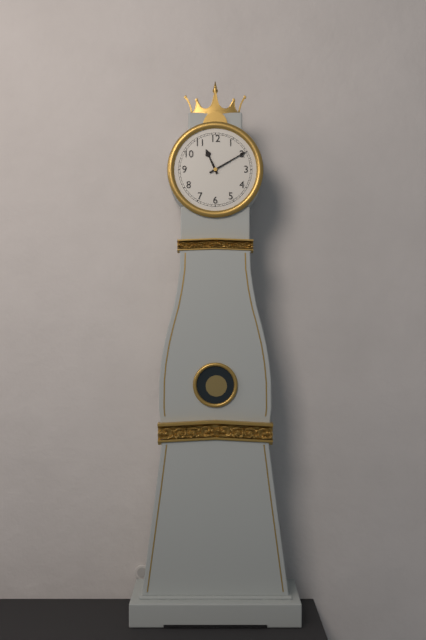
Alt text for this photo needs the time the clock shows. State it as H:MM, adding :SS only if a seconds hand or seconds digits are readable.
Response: 11:10
